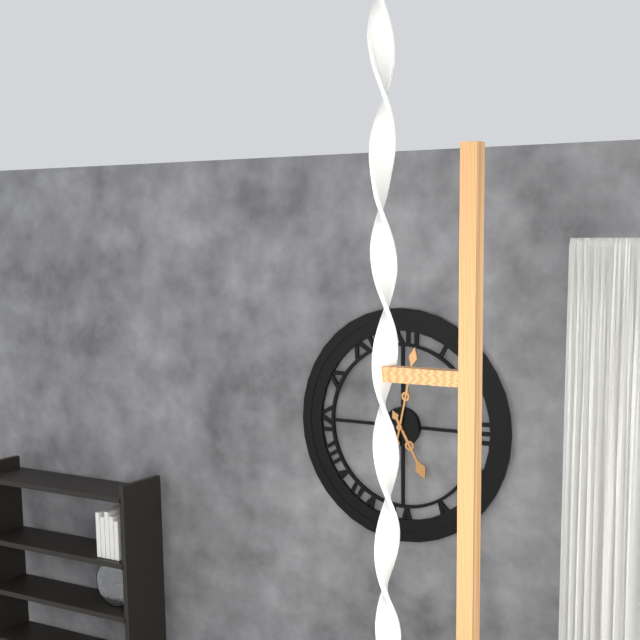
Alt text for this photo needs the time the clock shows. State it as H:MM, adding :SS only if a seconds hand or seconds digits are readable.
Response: 5:02
